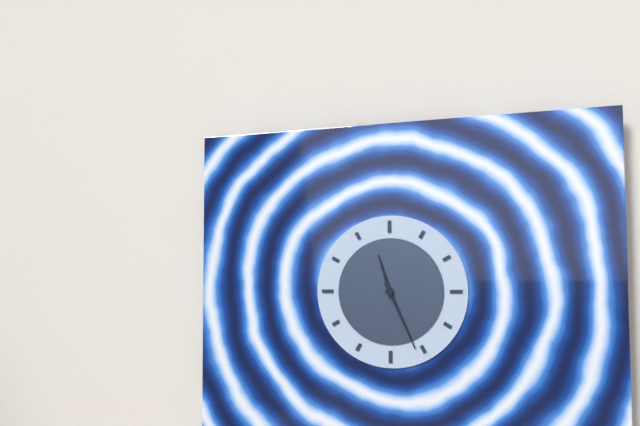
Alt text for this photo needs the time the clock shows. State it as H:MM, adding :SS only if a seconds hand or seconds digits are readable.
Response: 11:26
